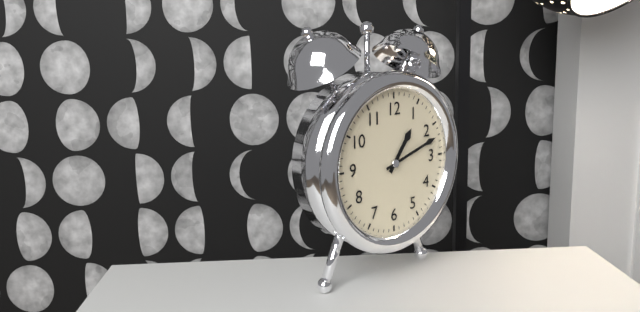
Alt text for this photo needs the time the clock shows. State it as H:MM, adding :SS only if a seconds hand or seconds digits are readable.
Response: 1:12
